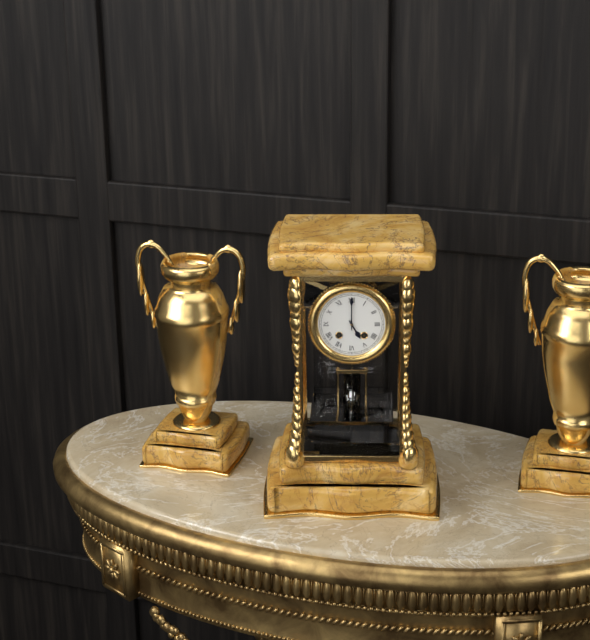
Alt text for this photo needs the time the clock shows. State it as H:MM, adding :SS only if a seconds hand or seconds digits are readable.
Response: 5:00
